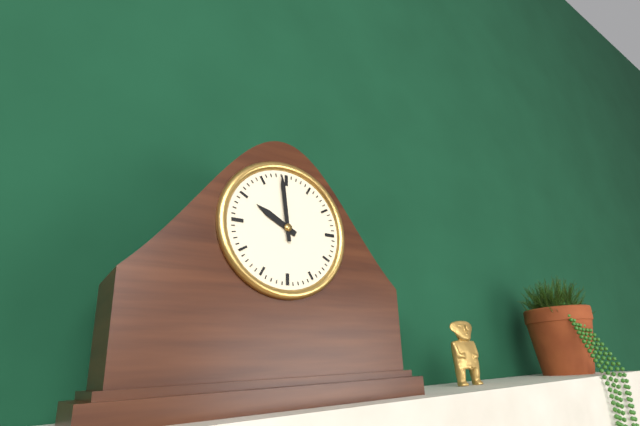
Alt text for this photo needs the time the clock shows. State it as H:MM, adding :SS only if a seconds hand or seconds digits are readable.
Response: 9:59
